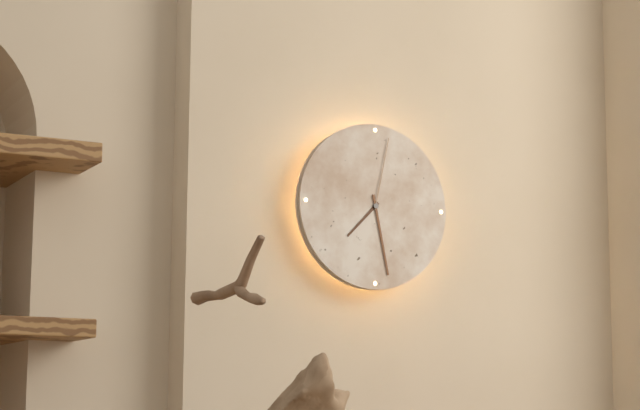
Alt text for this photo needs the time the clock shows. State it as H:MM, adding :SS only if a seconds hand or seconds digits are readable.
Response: 7:28:02
